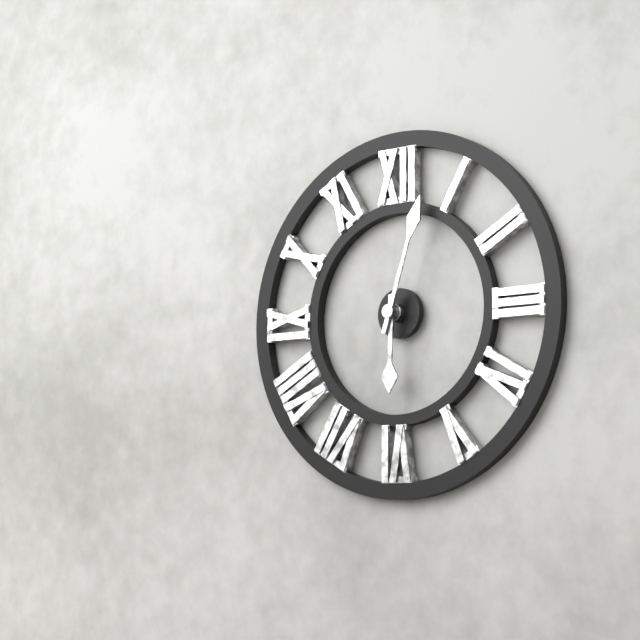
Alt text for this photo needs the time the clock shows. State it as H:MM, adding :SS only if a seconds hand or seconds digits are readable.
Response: 6:03
